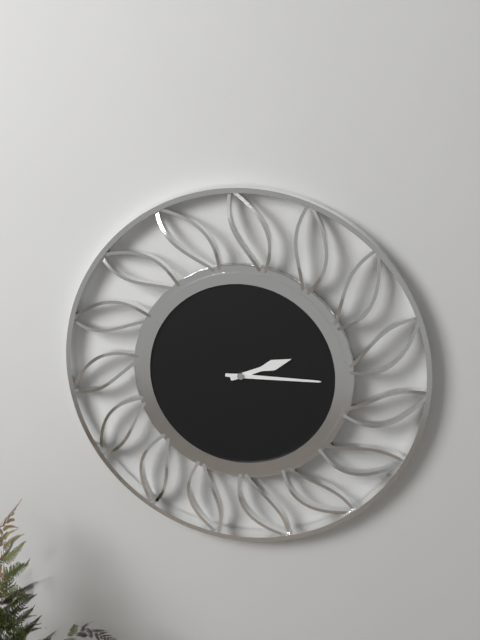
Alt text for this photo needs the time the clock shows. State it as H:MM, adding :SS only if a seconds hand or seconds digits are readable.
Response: 2:15
